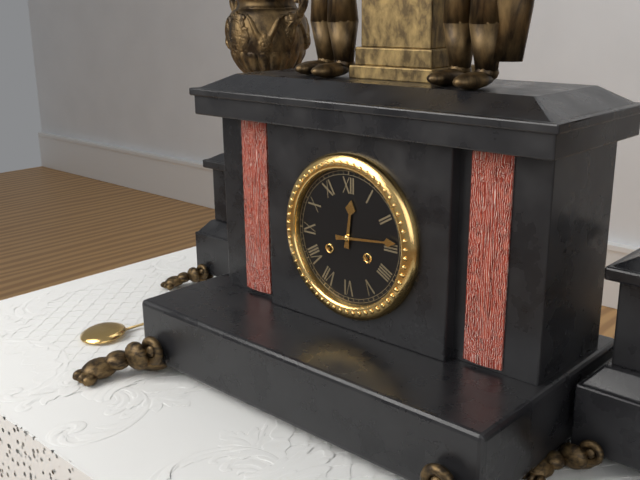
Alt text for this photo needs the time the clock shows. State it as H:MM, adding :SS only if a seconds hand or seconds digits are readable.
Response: 12:14
